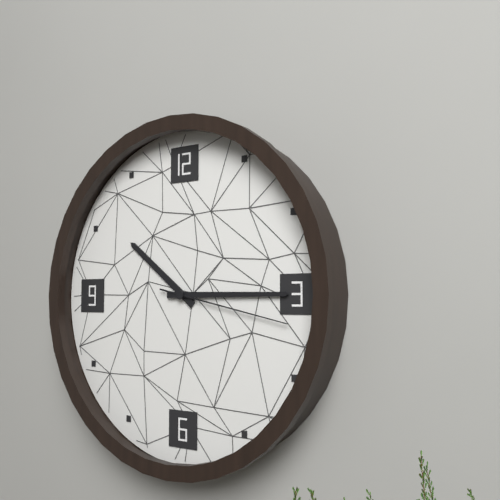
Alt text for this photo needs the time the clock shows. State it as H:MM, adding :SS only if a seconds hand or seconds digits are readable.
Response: 10:15:17
